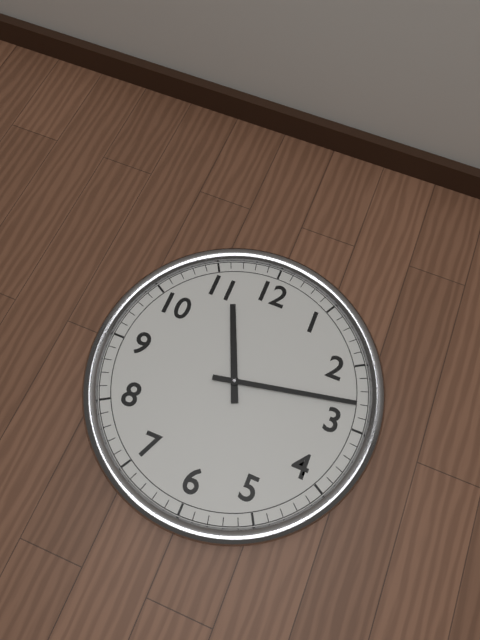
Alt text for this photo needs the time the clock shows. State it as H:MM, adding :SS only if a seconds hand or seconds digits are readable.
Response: 11:13
